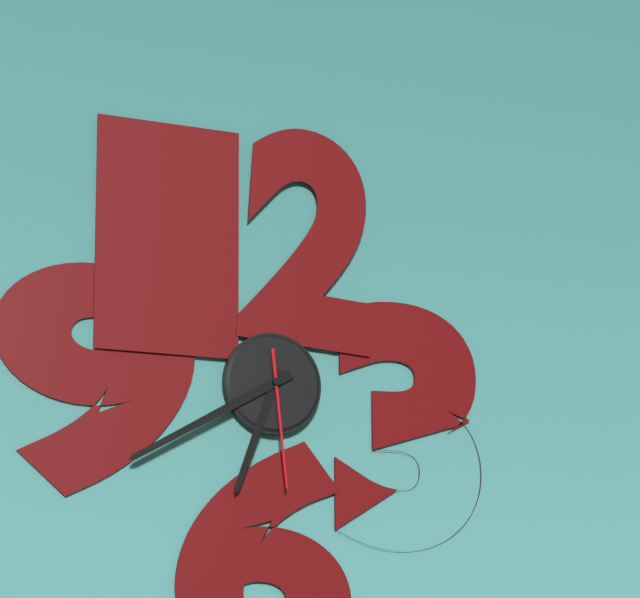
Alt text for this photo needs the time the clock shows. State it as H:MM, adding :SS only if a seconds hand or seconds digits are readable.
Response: 6:40:29
